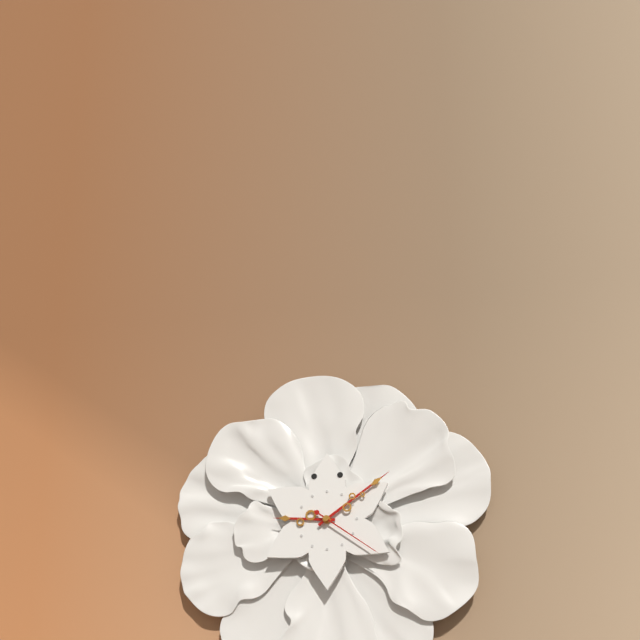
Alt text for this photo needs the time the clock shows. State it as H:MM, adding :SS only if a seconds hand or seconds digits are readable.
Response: 9:09:21
